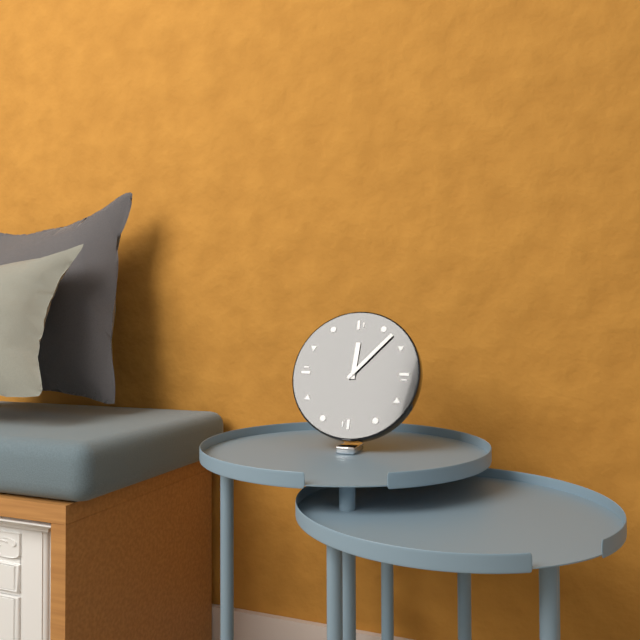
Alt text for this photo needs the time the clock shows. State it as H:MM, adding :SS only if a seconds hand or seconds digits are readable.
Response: 12:07
